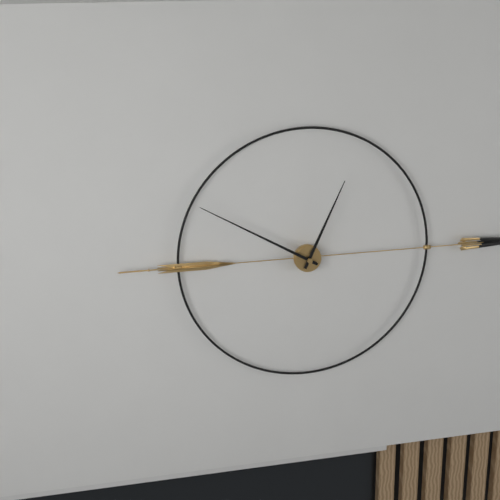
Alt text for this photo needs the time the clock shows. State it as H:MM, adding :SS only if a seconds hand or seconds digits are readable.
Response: 12:50
